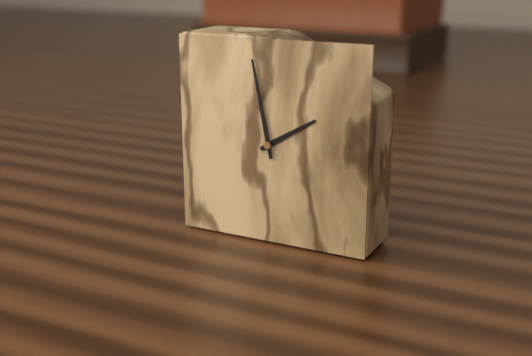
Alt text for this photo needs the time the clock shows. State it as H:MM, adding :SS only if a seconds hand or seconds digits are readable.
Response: 1:58
